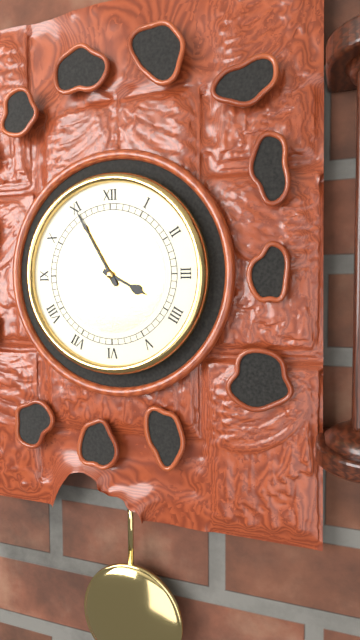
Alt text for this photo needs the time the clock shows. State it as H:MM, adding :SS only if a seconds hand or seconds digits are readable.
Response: 3:55
